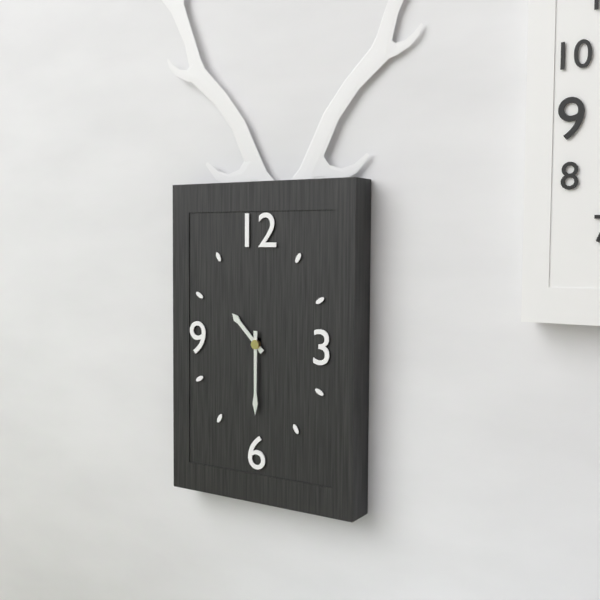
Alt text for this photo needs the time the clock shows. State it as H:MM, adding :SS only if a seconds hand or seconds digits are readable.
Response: 10:30
